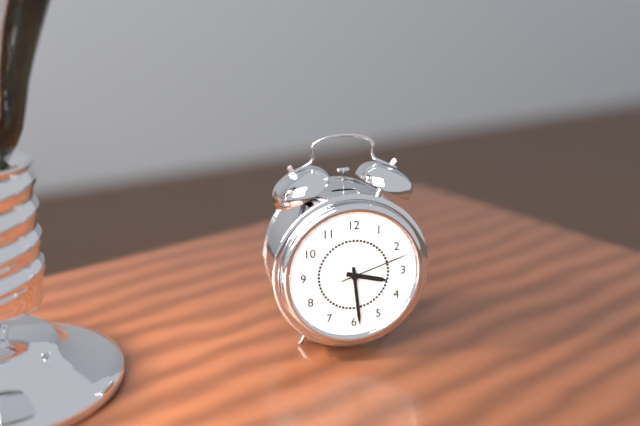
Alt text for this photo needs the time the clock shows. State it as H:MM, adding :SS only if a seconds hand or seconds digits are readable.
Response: 3:29:12
